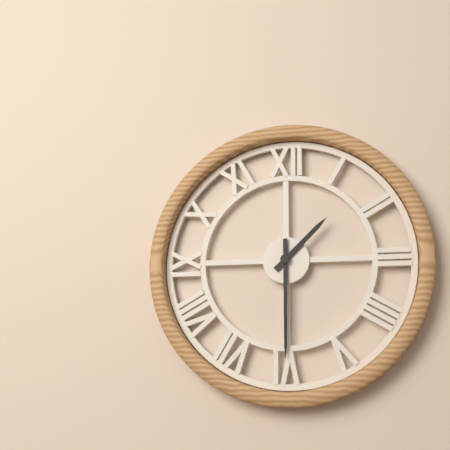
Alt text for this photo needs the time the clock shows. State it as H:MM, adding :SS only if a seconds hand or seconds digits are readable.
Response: 1:30
